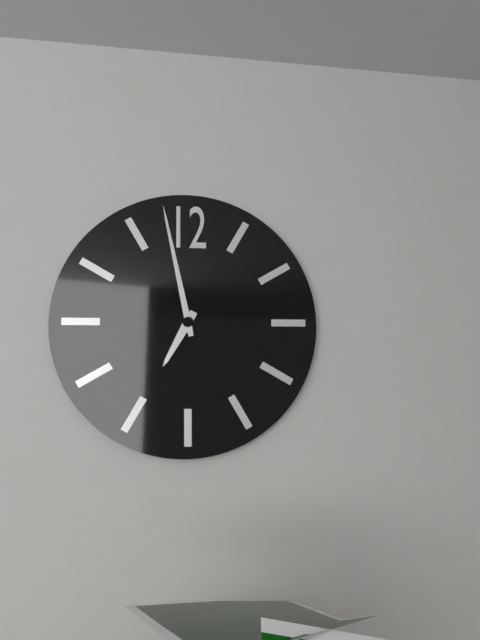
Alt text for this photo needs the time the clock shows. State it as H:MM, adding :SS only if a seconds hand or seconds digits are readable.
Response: 6:58
